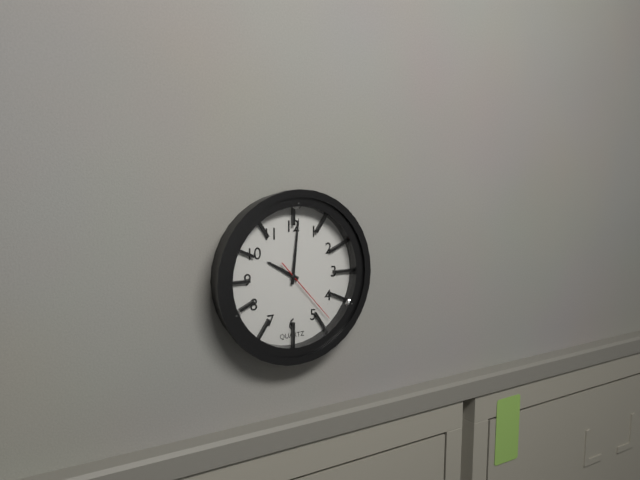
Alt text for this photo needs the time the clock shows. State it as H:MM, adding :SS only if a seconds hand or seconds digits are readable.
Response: 10:01:23
